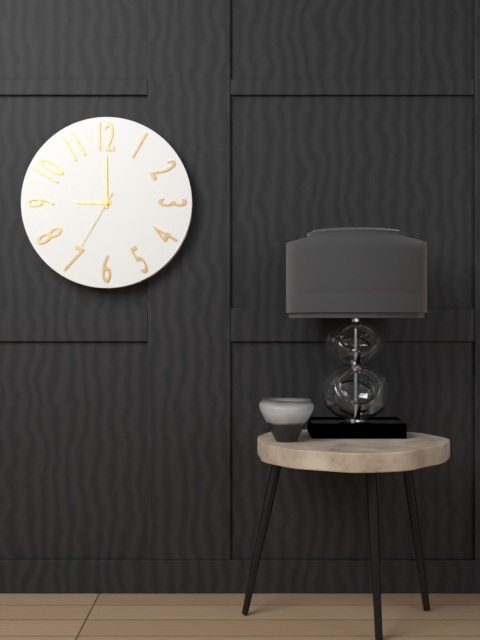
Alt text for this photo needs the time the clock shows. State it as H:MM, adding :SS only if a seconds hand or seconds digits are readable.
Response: 9:00:35
